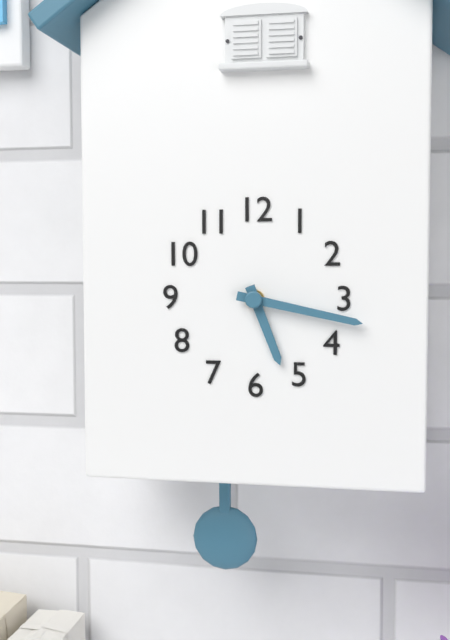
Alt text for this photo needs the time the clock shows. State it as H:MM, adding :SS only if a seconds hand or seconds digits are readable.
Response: 5:17
